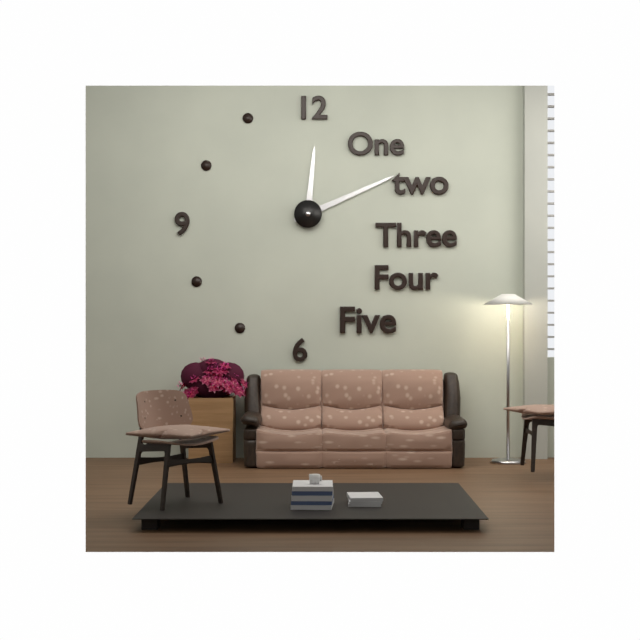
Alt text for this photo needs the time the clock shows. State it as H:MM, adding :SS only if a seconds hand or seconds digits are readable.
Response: 12:11
